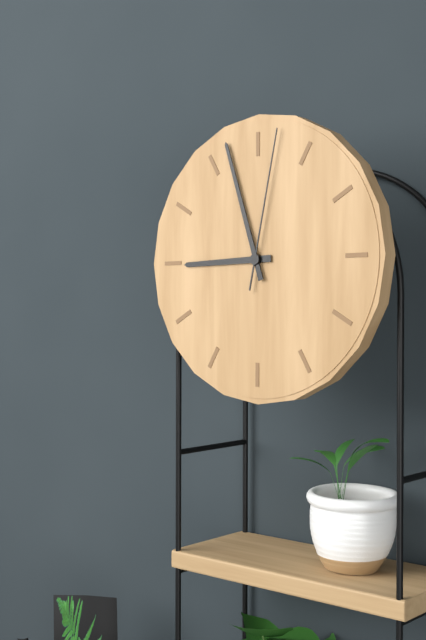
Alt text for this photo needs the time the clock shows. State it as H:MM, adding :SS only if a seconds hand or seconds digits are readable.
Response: 8:57:02
